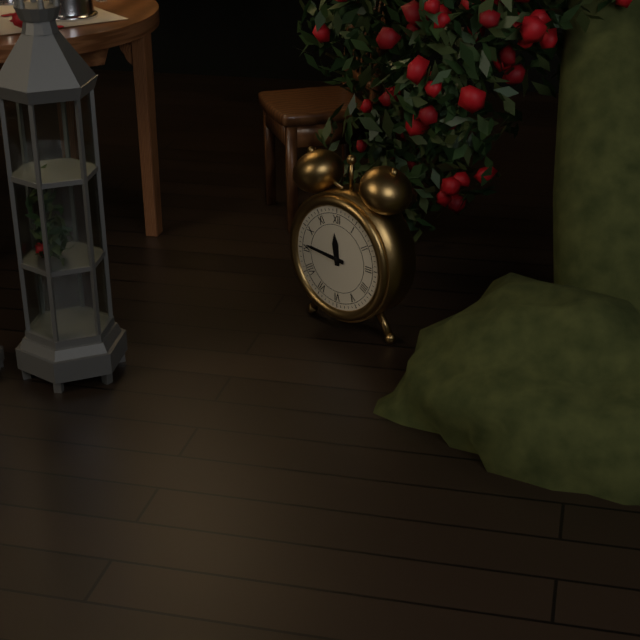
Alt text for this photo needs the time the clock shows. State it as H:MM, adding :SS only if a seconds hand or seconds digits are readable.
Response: 11:46
